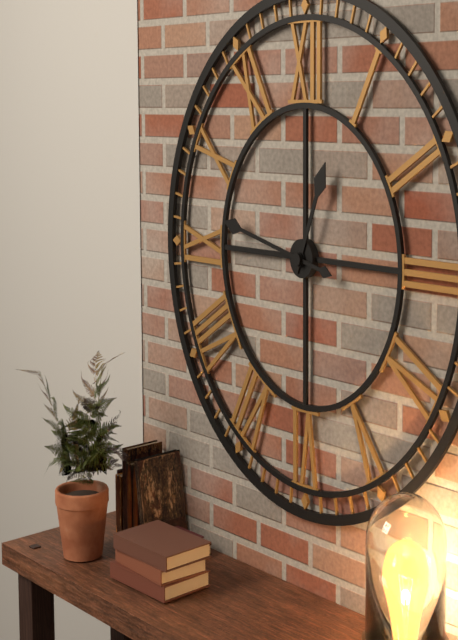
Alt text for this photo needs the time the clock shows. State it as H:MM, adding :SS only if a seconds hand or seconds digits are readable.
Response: 12:47
